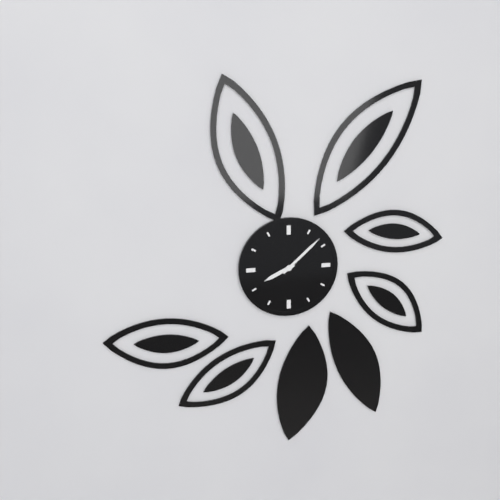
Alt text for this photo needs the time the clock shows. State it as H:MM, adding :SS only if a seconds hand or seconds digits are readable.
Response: 8:08
